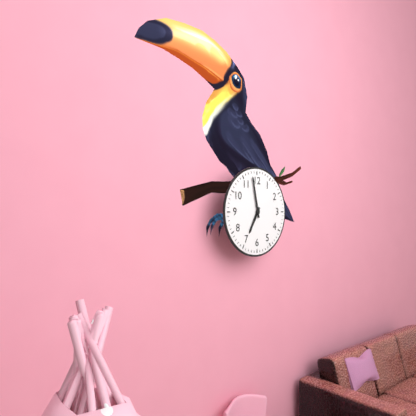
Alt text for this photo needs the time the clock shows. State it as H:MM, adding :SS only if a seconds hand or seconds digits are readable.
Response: 6:58
